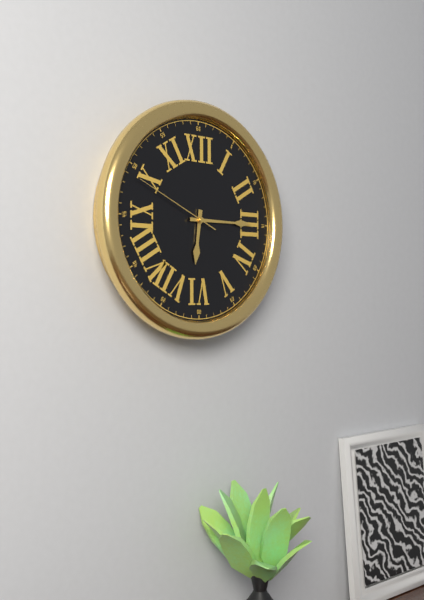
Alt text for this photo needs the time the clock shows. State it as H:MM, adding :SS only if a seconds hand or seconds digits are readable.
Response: 6:15:49
